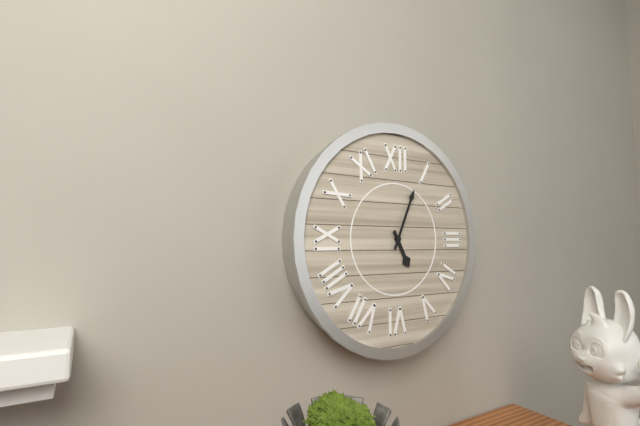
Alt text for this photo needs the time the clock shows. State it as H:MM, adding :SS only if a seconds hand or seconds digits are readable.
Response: 5:04
